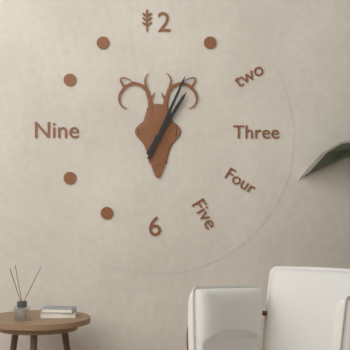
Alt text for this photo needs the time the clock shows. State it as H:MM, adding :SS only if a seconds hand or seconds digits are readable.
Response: 1:04
